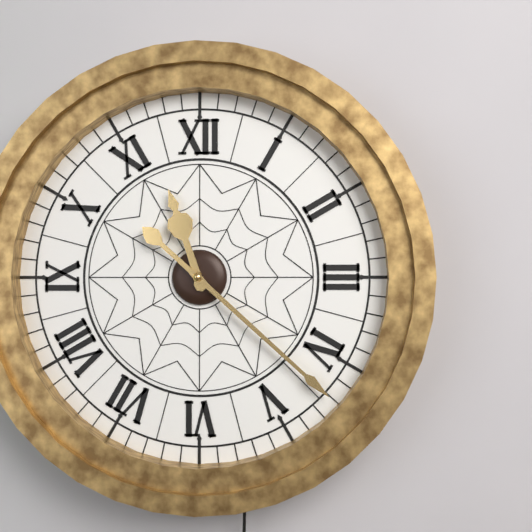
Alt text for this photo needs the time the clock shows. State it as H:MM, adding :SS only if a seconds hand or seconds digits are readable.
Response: 11:22
